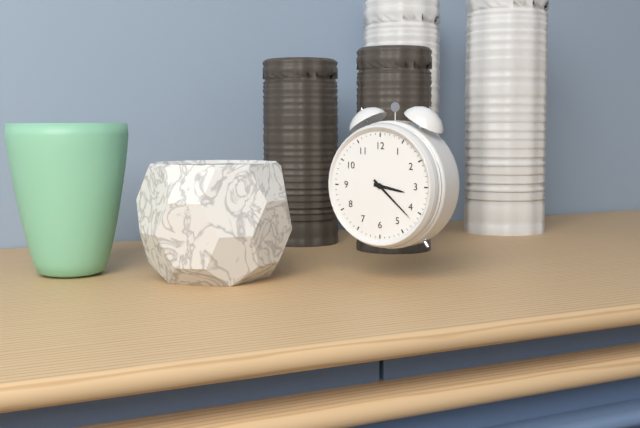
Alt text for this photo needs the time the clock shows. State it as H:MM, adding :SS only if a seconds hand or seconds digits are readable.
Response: 3:22
